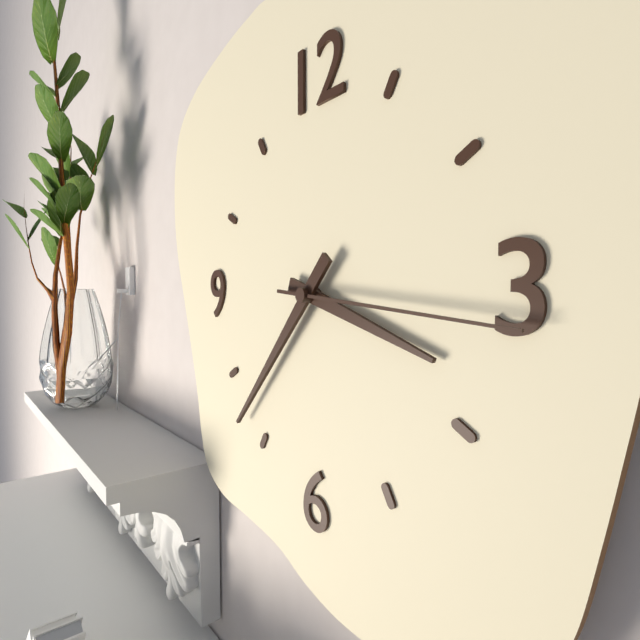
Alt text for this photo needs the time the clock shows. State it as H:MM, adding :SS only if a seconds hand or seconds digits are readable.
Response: 3:37:16
